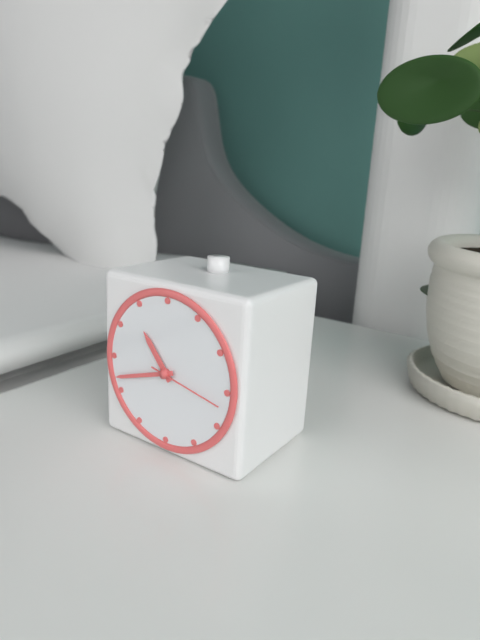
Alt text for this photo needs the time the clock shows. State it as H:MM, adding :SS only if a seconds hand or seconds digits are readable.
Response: 10:42:17
